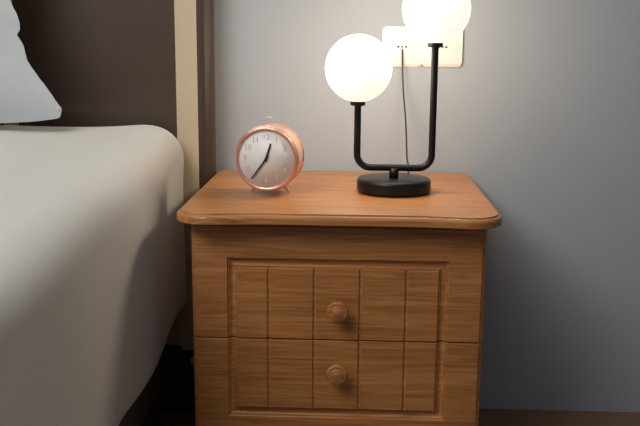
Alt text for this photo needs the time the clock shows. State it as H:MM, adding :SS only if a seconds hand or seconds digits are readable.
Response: 12:36
